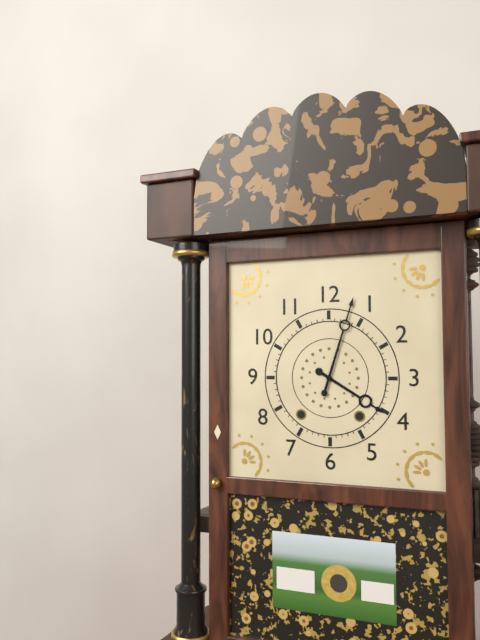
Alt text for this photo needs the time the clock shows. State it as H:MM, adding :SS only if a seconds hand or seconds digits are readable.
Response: 4:03
